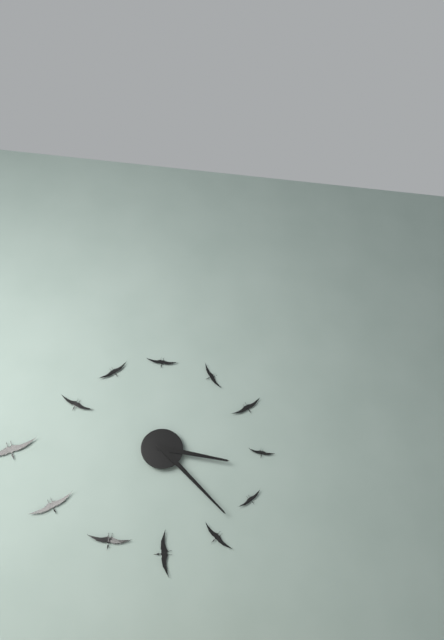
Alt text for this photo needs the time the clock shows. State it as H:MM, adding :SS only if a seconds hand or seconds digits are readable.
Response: 3:23
